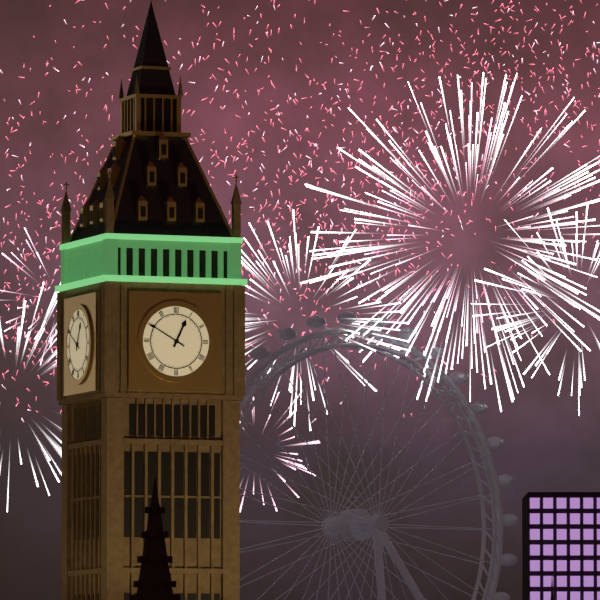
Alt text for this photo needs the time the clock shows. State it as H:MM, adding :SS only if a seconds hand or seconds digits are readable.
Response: 12:50
